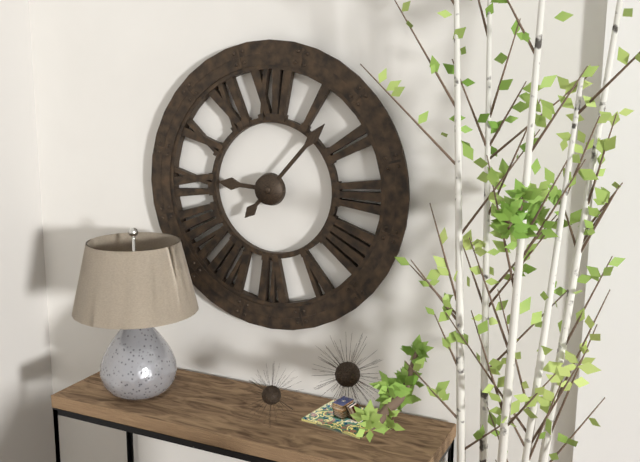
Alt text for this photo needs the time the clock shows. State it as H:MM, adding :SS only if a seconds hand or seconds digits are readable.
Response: 9:07
